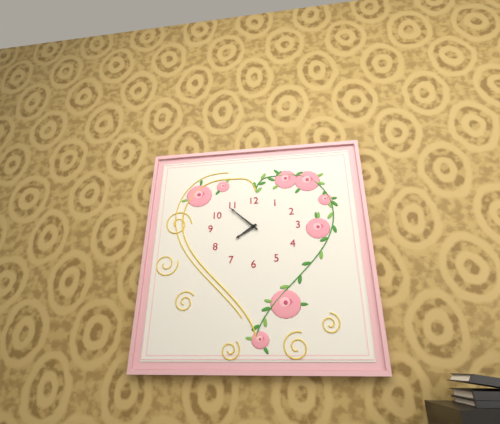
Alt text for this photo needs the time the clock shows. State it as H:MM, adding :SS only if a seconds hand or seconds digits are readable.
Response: 7:52
